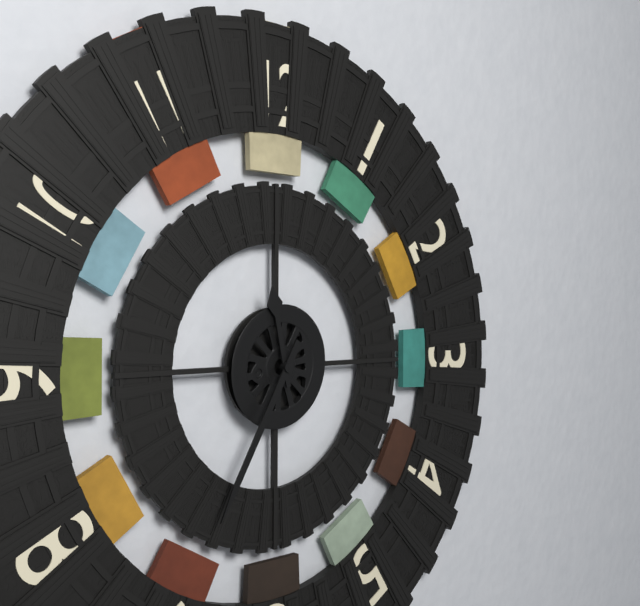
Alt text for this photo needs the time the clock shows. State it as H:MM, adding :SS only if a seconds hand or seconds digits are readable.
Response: 11:35
